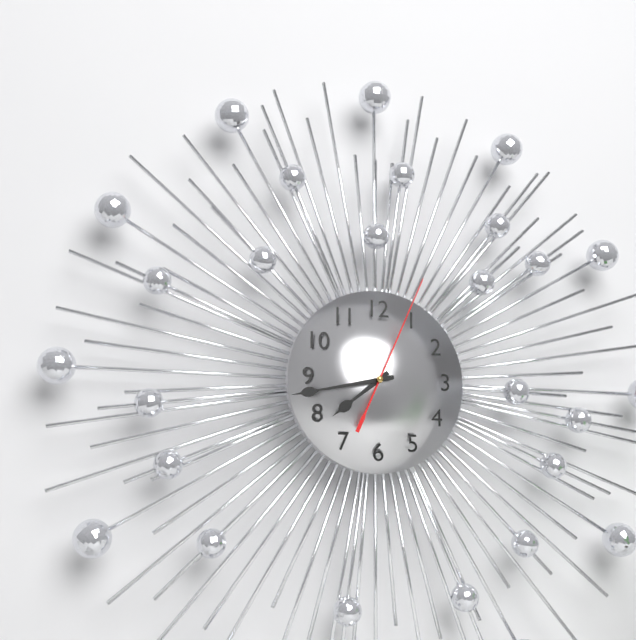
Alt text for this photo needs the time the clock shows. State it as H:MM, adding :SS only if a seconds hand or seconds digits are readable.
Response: 7:43:04
